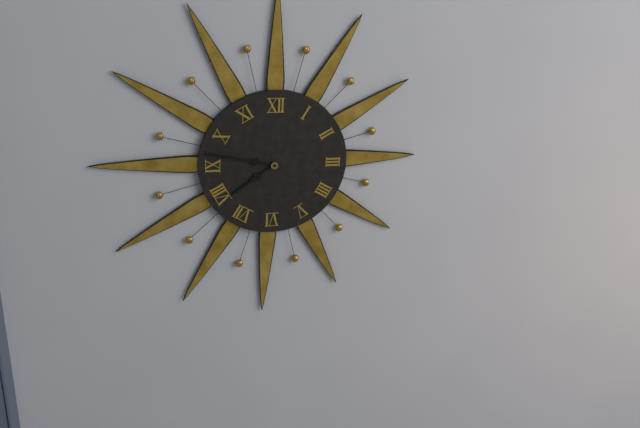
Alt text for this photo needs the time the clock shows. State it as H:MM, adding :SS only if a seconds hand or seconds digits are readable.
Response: 7:47
